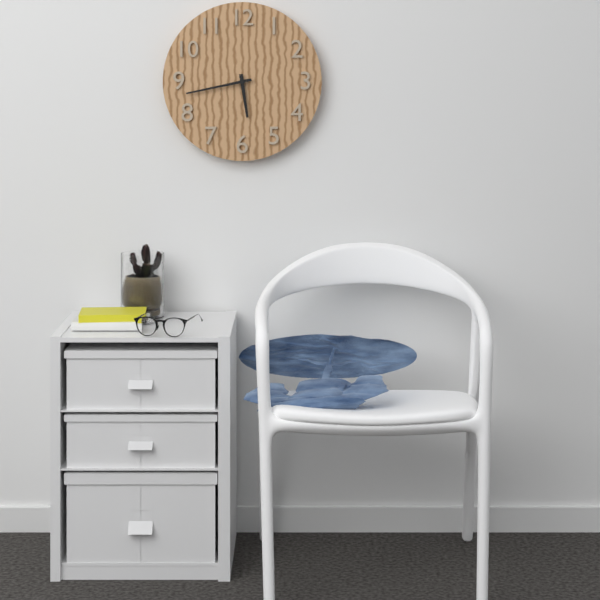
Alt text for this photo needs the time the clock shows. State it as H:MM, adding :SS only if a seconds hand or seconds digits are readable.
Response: 5:43
